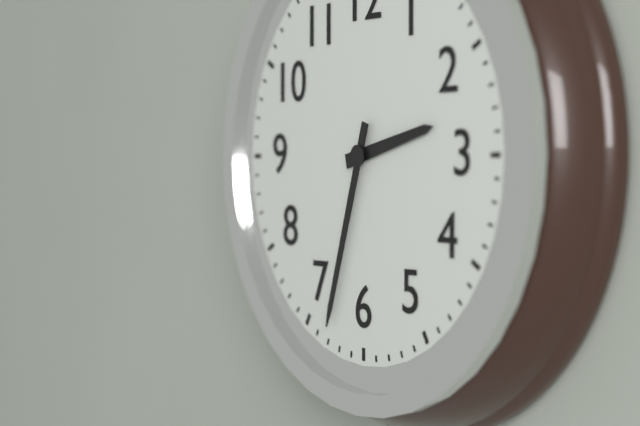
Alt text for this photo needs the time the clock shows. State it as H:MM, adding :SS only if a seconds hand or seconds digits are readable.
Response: 2:33
